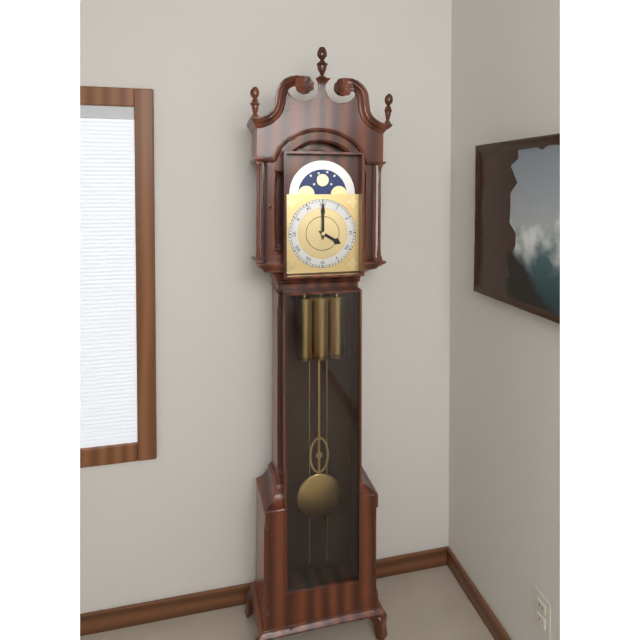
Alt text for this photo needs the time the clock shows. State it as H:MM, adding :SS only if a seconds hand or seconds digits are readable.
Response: 4:00
